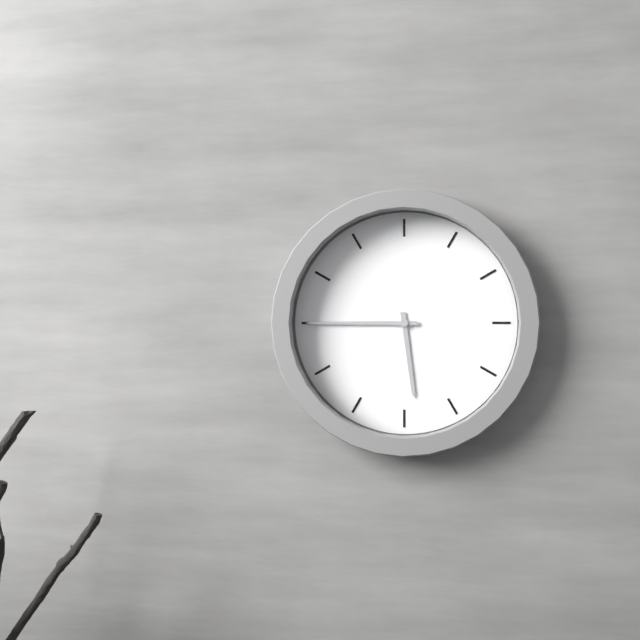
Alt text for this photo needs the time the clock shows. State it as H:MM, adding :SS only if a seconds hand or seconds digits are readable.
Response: 5:45
